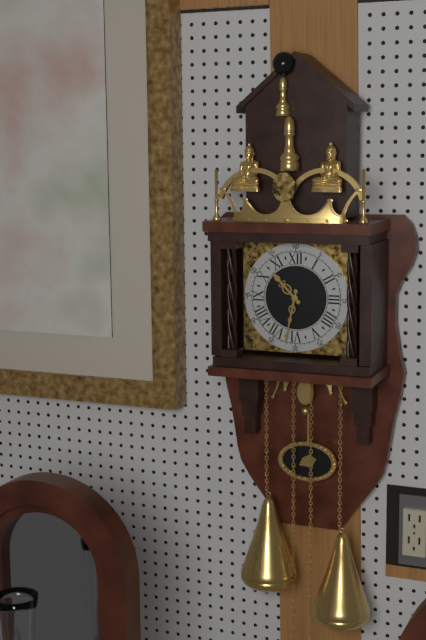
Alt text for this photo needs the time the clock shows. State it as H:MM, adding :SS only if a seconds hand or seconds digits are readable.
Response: 10:32
